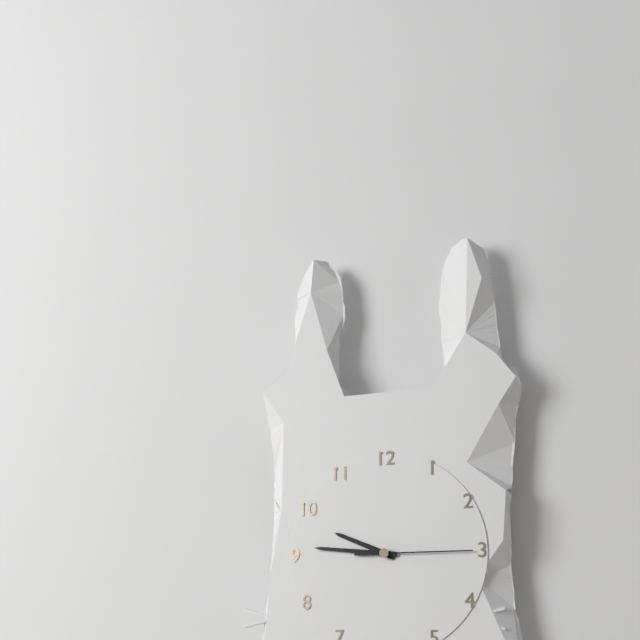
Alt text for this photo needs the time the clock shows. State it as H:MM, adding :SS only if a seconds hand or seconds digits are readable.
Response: 9:46:15
